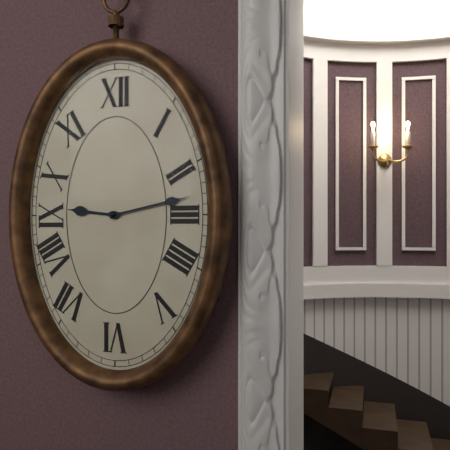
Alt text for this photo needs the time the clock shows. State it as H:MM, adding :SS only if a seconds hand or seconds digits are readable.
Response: 9:13
